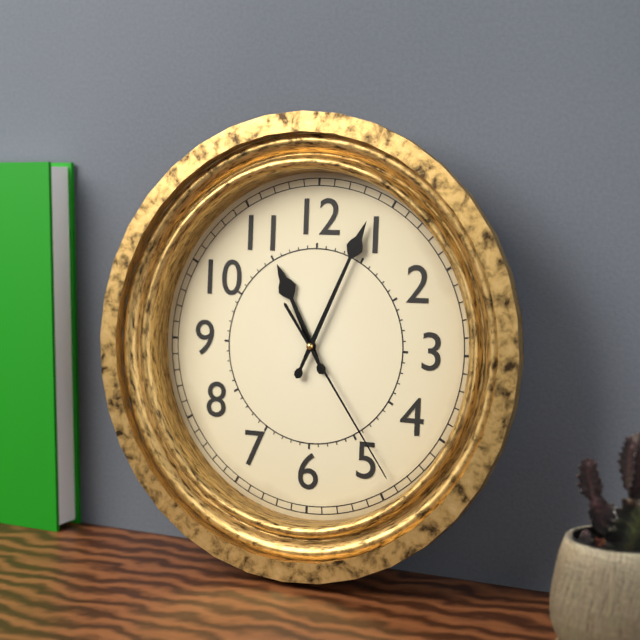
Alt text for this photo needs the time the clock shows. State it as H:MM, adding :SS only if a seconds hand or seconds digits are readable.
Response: 11:04:24
